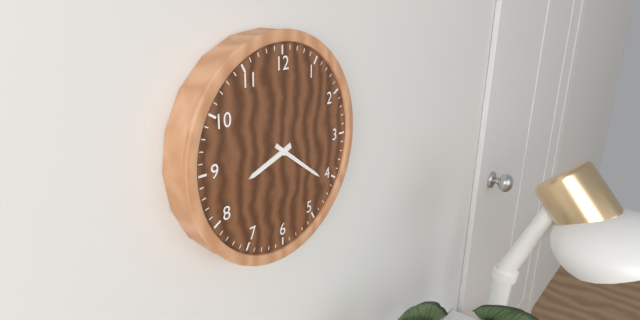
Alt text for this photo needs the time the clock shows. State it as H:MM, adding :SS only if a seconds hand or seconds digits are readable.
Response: 8:21
